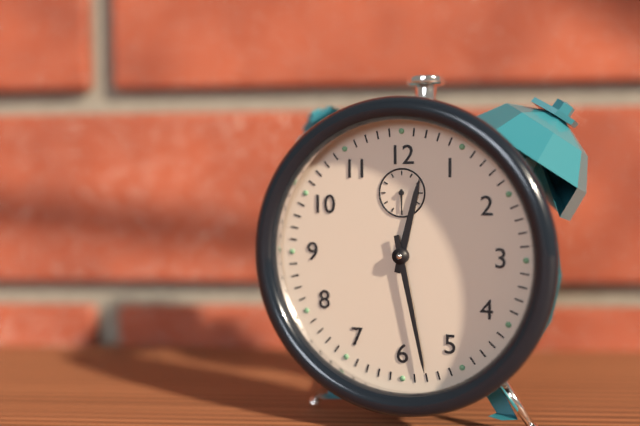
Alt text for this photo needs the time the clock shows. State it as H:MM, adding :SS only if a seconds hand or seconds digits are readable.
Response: 12:28
